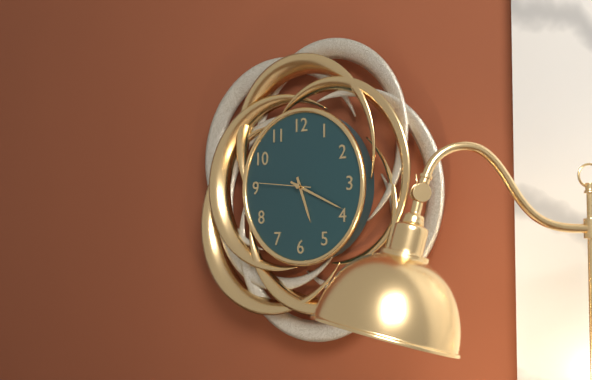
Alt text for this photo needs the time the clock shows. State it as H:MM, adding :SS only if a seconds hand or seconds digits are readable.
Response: 5:19:46
